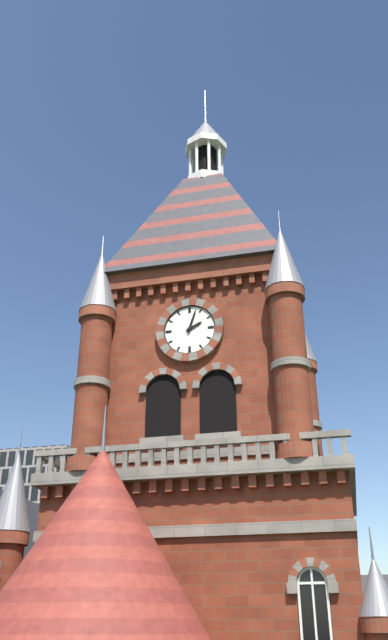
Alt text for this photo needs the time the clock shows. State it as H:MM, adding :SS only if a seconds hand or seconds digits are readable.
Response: 2:03
